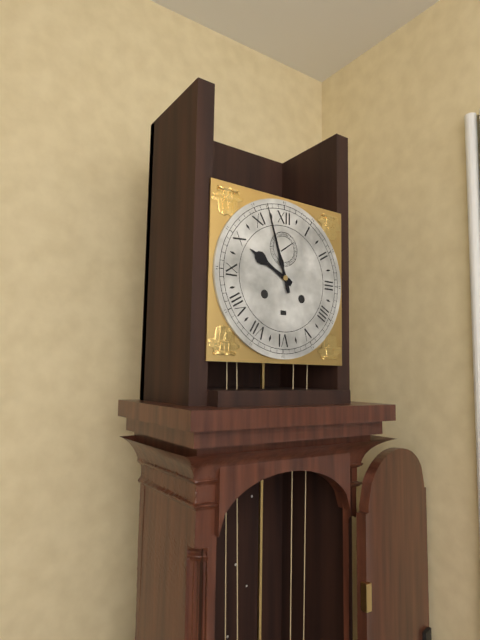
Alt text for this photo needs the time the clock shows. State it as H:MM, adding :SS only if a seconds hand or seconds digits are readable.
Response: 9:57
